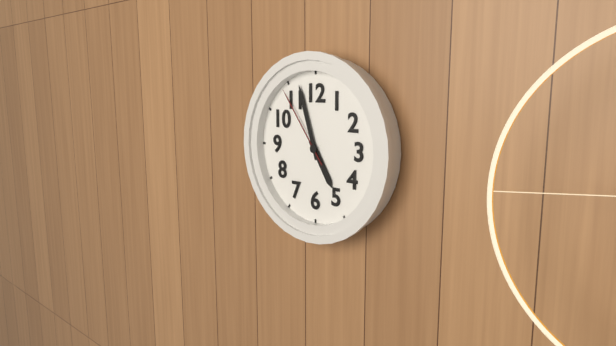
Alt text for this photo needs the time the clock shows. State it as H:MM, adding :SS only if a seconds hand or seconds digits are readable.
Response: 4:57:54
